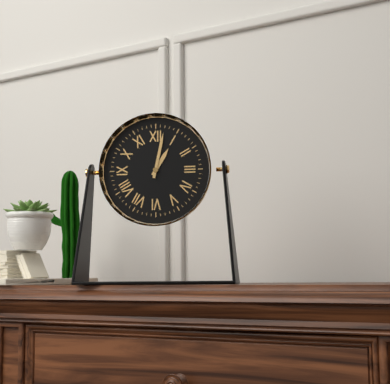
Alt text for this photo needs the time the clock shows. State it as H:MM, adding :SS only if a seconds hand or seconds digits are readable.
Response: 1:02
